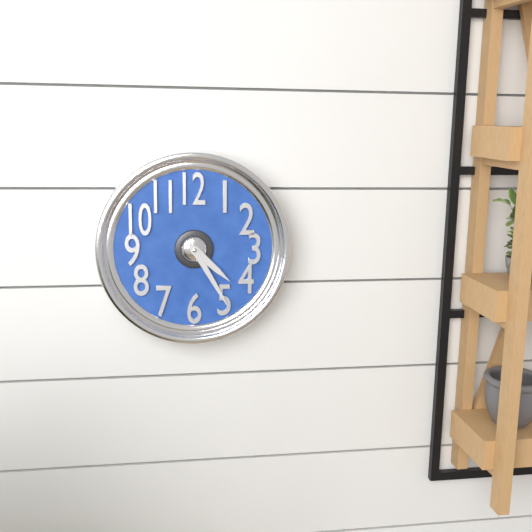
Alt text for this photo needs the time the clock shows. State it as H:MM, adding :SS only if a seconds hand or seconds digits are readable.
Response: 4:25
